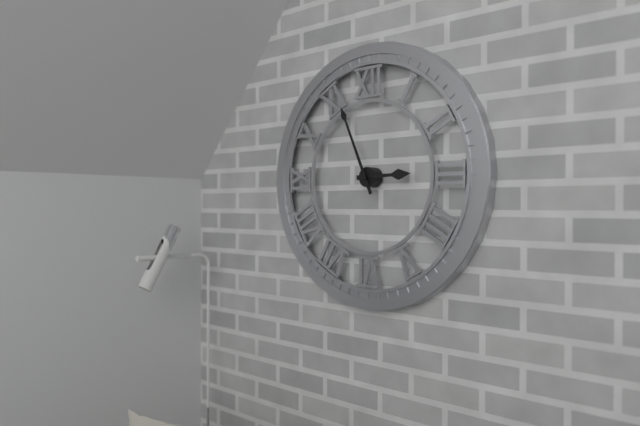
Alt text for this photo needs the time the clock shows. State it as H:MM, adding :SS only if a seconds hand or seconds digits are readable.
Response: 2:56
